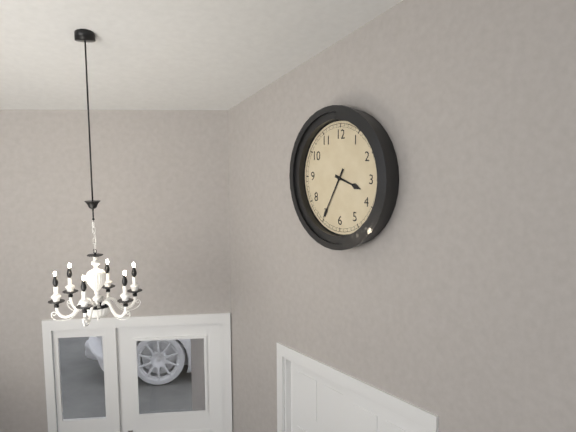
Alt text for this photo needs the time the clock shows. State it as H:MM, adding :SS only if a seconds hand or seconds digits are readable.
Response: 3:35
